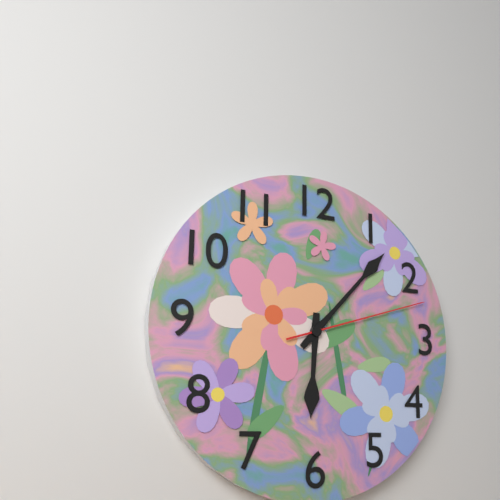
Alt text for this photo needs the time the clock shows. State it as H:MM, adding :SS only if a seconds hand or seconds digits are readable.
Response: 6:07:12
